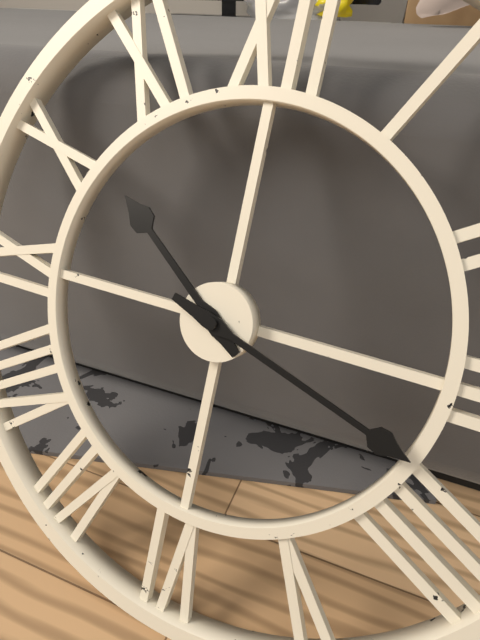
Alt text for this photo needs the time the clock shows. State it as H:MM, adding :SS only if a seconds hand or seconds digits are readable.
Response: 10:18
